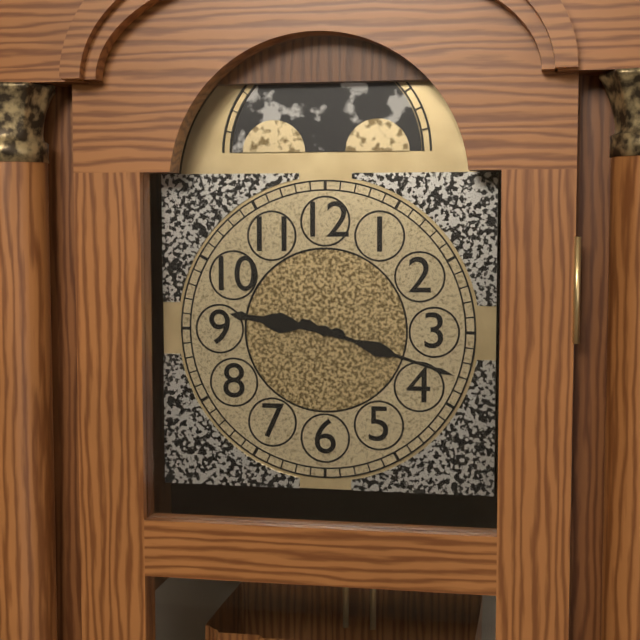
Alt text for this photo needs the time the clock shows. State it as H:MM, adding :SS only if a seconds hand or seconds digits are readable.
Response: 9:18
